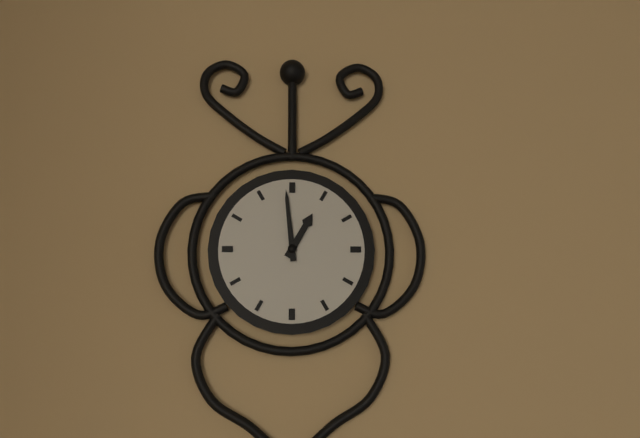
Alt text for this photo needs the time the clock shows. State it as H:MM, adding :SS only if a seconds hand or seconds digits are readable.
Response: 12:59
